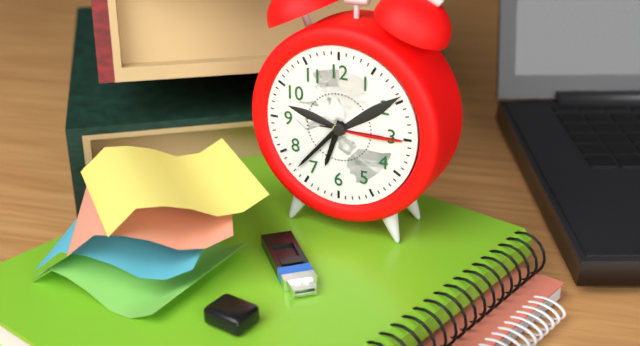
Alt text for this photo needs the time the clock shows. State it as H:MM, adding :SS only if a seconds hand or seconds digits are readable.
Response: 6:37:15
